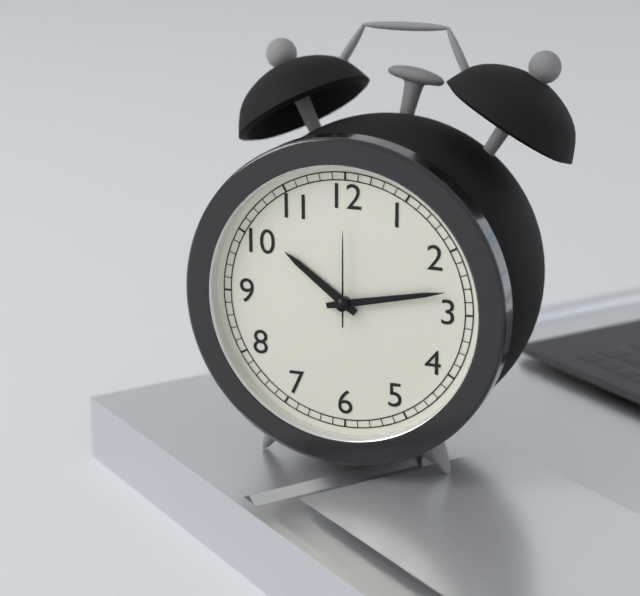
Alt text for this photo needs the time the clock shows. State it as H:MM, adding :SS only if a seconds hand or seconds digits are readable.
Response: 10:13:00
